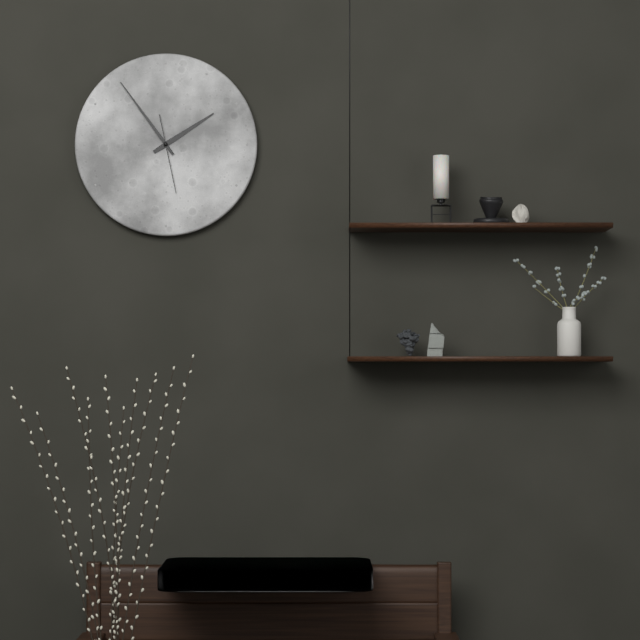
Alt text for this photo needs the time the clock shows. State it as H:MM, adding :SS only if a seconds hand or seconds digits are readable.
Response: 1:54:28
